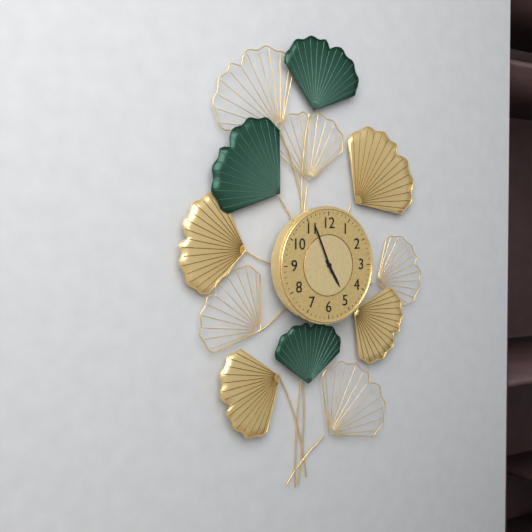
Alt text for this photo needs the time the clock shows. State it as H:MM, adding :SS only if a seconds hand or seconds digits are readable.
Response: 4:56
